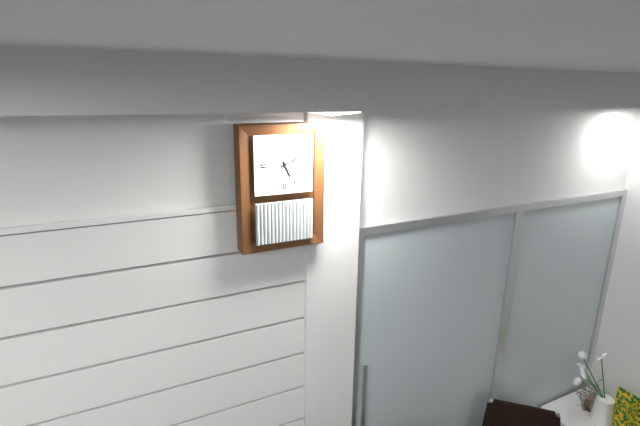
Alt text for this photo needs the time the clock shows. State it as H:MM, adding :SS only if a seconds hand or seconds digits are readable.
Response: 5:11
